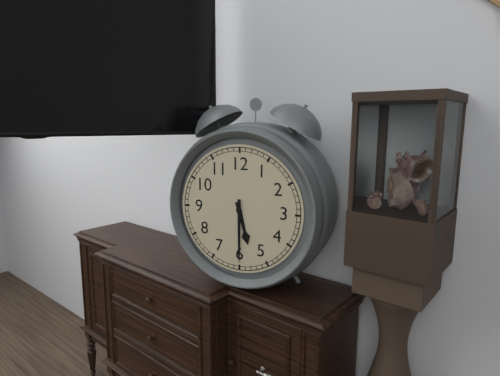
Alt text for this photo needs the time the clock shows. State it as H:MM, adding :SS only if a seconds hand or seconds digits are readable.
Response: 5:30
